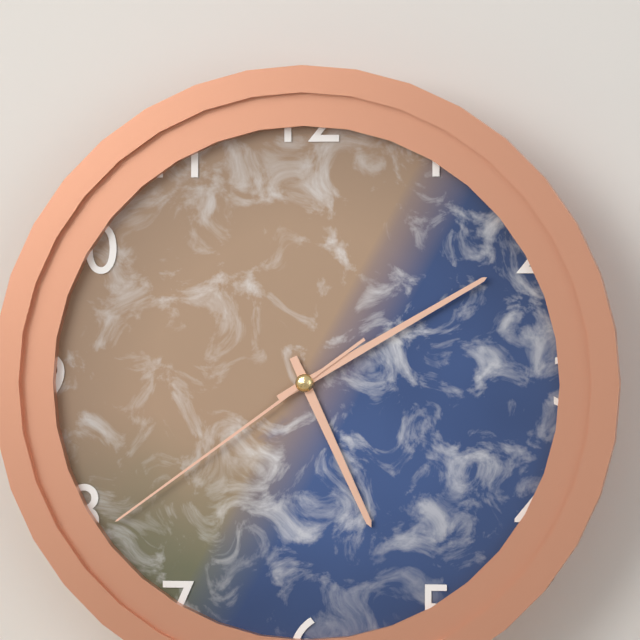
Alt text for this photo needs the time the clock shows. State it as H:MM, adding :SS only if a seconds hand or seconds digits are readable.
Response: 5:10:39
